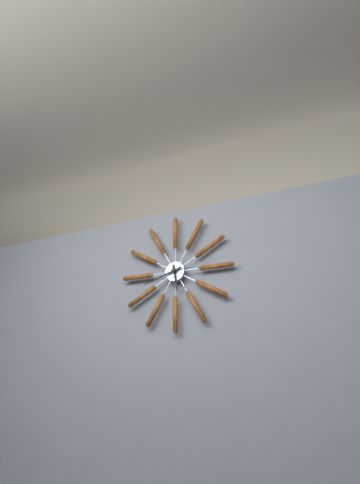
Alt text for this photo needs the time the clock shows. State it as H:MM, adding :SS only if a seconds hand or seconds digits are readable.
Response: 5:42
